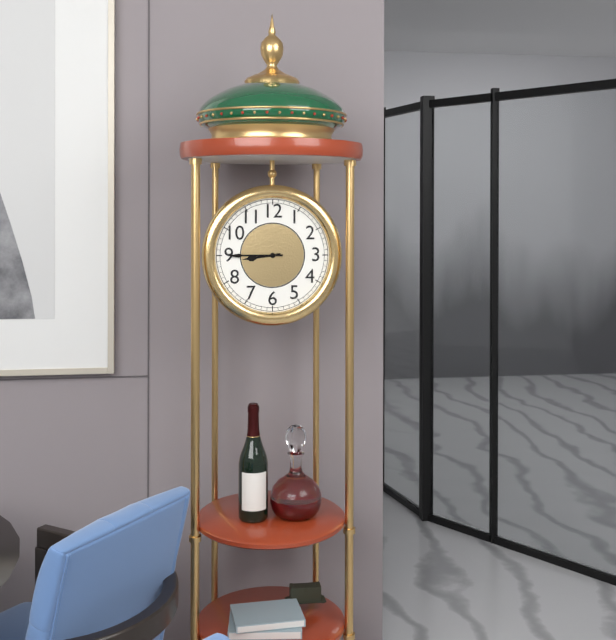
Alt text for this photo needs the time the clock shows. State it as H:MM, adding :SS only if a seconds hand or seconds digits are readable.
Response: 8:45
